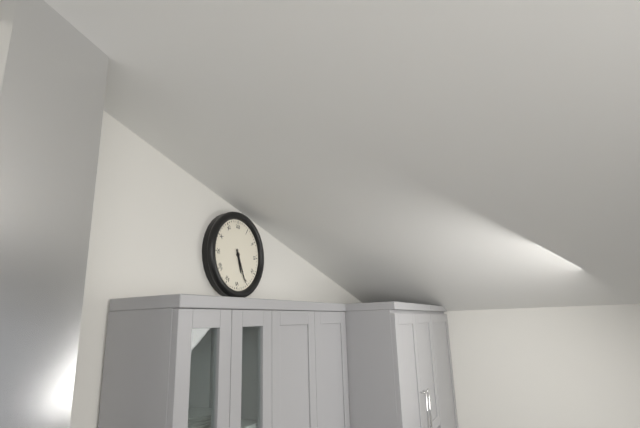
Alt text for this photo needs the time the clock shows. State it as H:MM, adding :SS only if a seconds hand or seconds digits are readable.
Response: 5:26
